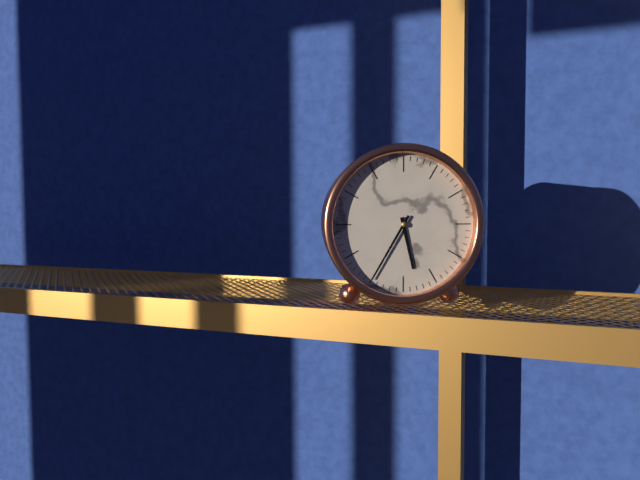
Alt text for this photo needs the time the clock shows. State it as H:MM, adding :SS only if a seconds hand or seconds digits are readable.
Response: 5:35
